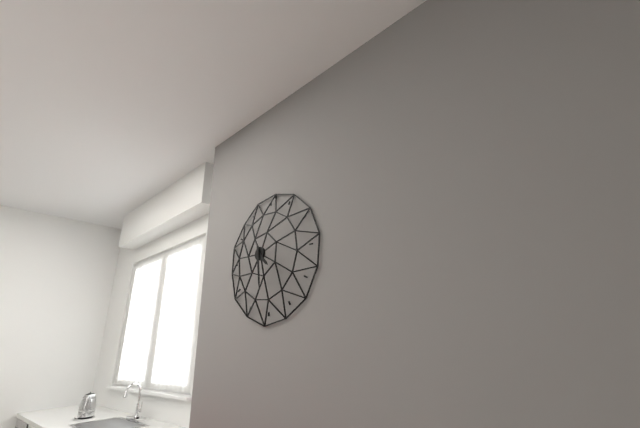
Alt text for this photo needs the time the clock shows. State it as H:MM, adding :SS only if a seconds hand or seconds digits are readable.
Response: 4:29
